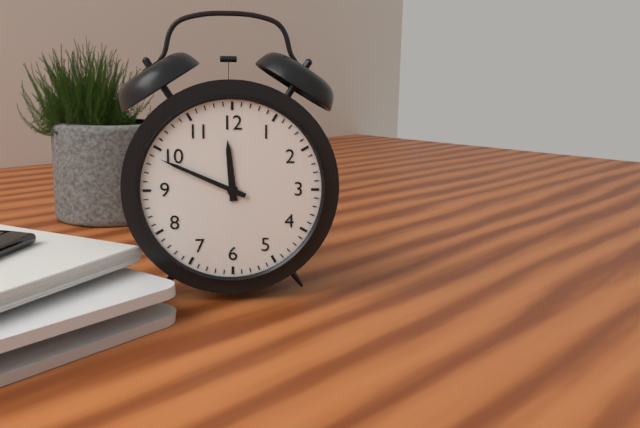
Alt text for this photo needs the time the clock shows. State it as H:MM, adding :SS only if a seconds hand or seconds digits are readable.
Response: 11:49
